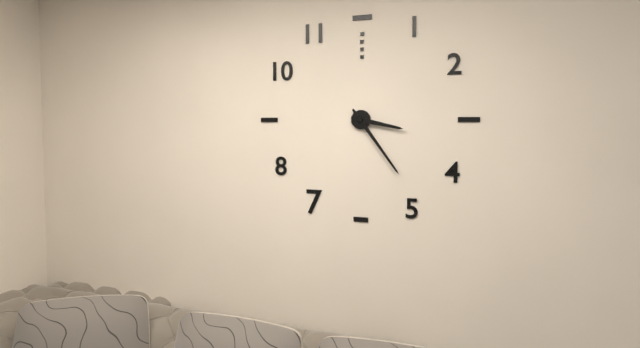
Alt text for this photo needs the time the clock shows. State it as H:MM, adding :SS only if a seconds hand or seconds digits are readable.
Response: 3:24
